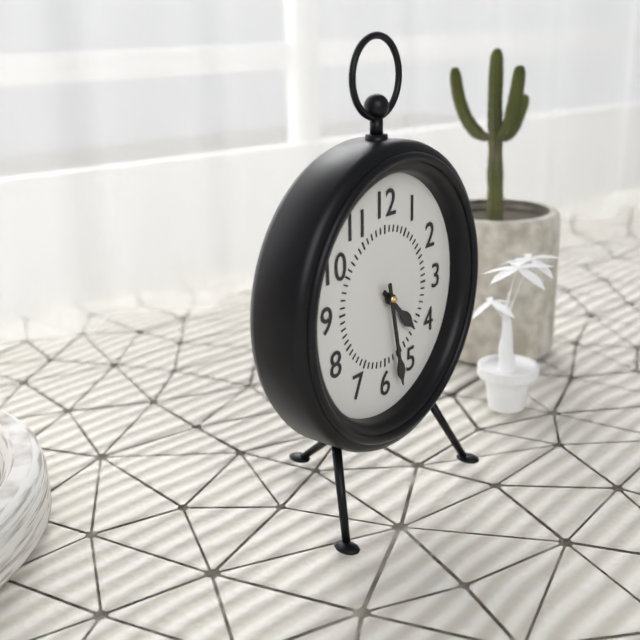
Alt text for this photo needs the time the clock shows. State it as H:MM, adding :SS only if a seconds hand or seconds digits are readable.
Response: 4:28
